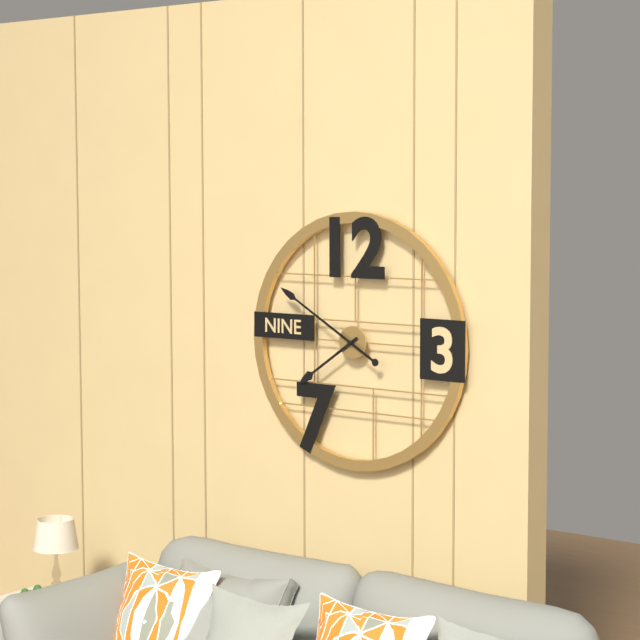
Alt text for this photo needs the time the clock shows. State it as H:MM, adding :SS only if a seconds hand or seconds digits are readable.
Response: 7:50
